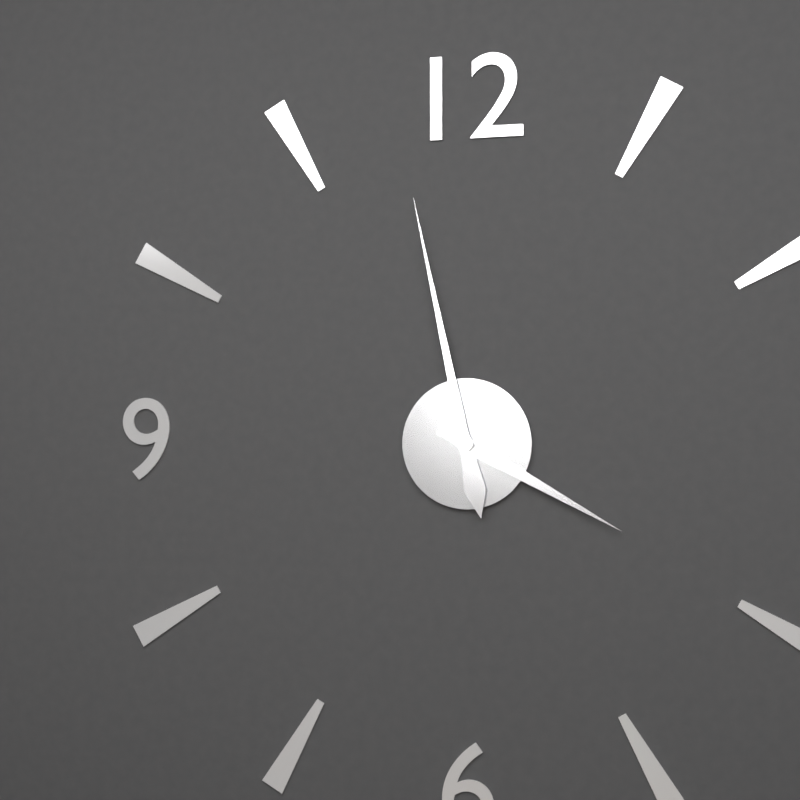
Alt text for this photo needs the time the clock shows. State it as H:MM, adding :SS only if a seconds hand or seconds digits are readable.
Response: 3:58
